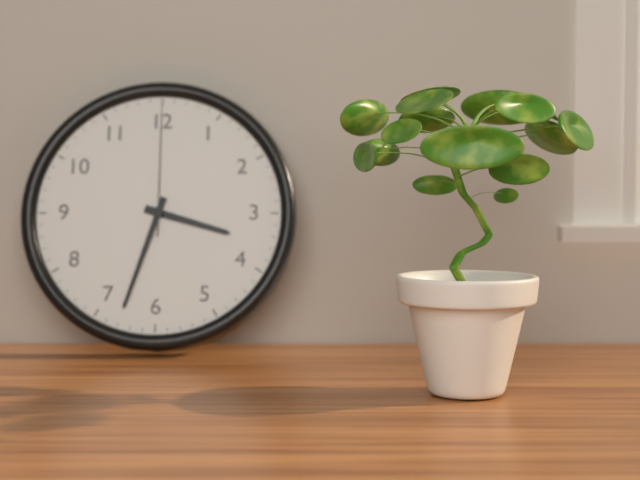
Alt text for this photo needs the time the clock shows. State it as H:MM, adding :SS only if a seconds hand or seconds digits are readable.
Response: 3:33:00
